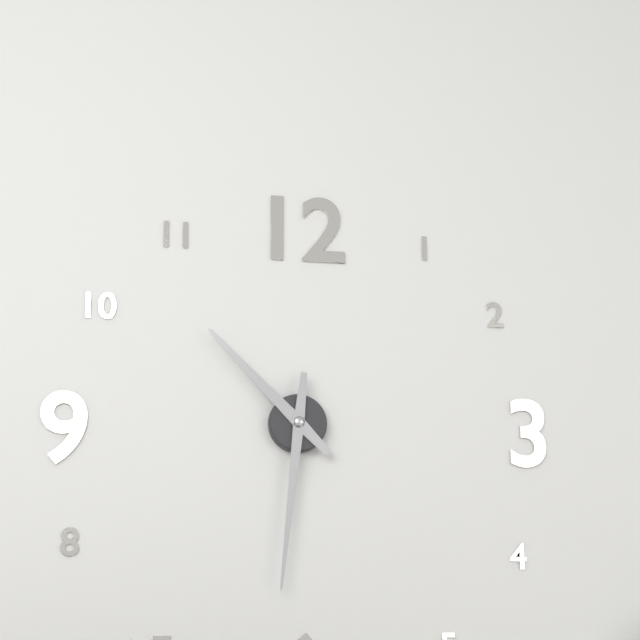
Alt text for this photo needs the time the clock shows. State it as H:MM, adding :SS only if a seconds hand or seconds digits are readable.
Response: 10:31
